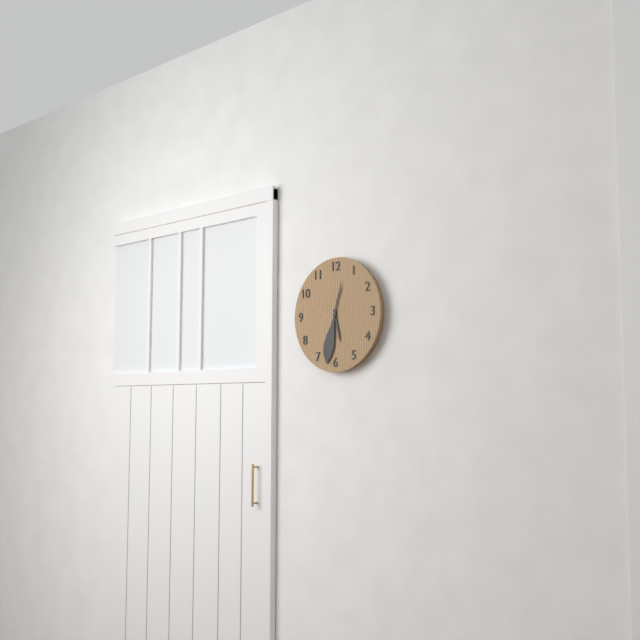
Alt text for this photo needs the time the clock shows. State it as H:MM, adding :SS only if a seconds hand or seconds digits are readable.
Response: 5:32
